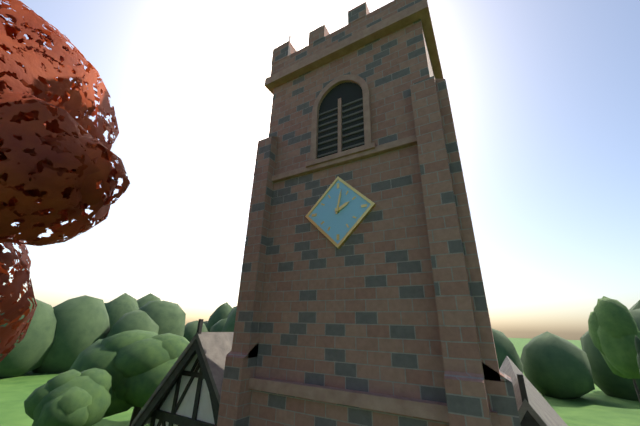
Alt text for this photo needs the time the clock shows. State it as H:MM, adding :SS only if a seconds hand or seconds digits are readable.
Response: 2:02
